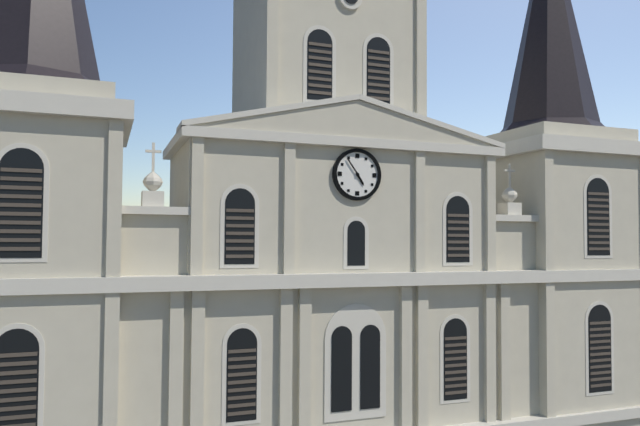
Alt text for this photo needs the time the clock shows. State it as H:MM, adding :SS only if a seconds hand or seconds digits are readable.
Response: 4:54
